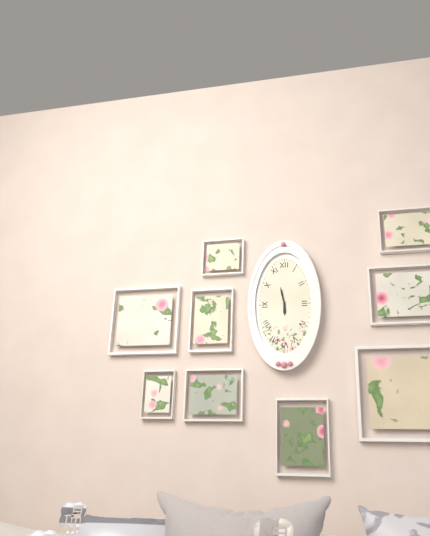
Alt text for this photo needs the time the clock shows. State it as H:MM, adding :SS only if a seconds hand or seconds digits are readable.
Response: 5:58
